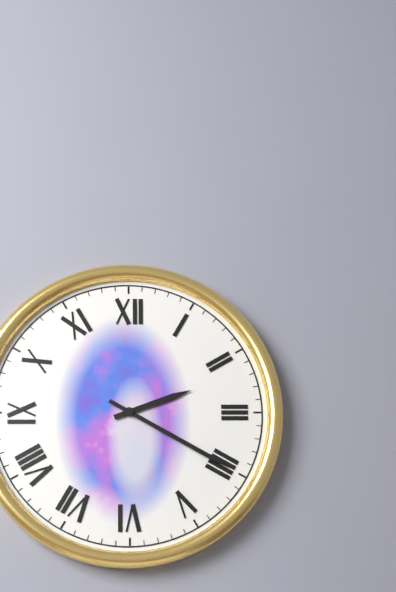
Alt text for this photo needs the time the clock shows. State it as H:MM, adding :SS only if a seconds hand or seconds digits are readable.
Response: 2:20
